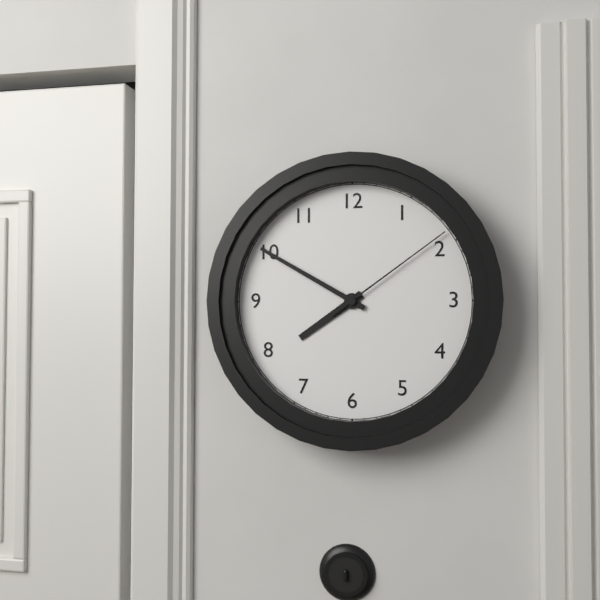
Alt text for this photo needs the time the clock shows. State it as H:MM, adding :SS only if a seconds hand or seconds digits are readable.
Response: 7:50:09
